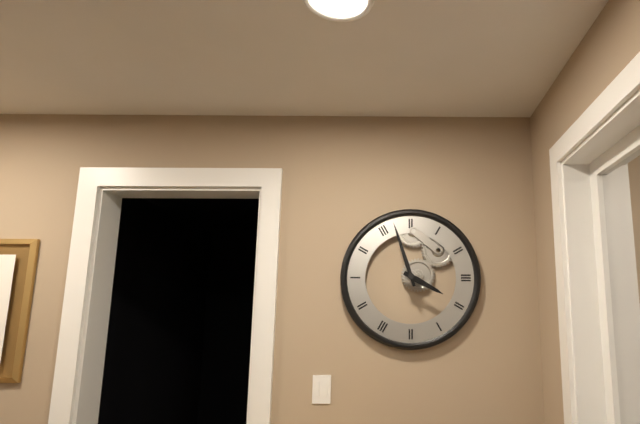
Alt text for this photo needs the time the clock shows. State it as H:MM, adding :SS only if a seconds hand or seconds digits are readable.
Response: 3:57
